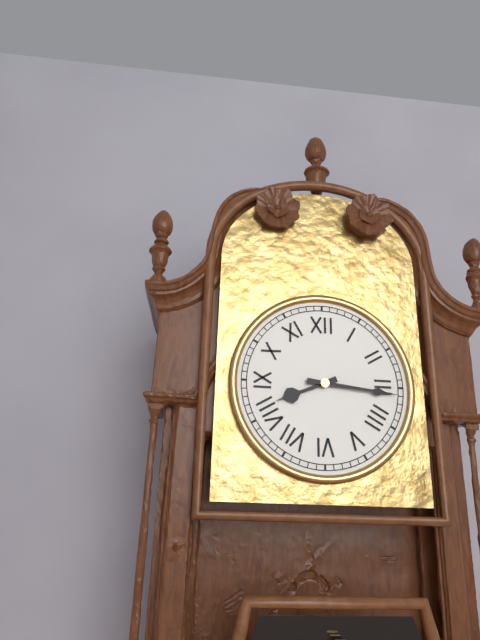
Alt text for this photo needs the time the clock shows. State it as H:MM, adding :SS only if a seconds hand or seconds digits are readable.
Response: 8:16
